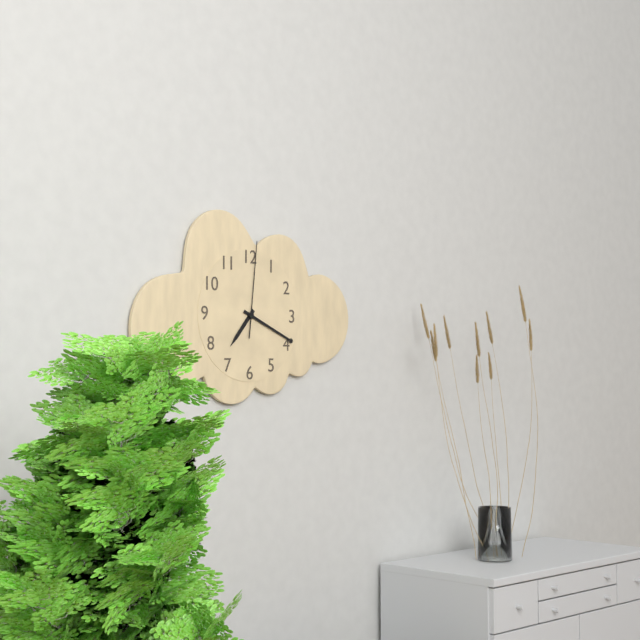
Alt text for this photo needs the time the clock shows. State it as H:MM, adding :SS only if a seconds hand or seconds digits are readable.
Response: 7:19:01
